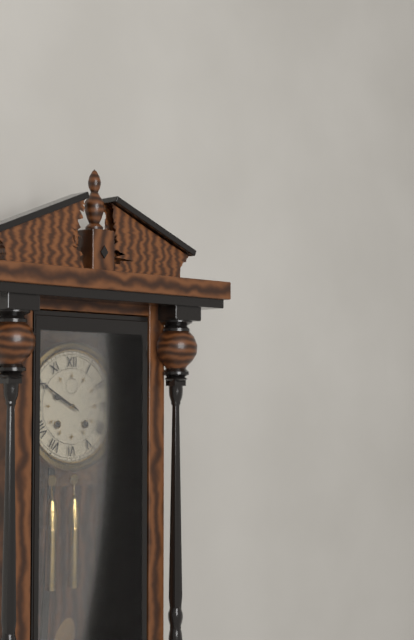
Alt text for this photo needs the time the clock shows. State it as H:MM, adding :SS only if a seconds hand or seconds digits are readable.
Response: 9:50
